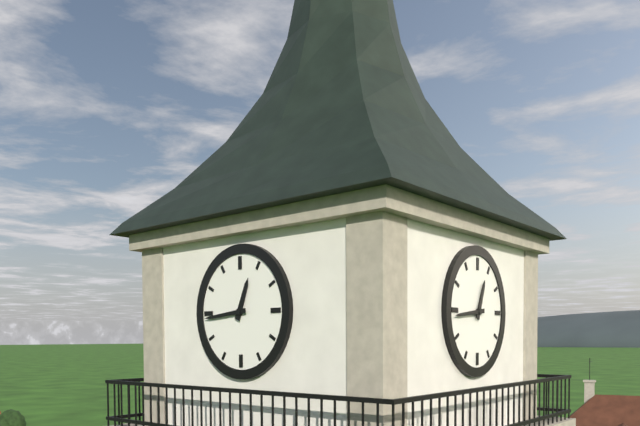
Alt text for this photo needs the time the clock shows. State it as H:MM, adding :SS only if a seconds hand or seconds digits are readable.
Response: 12:44
